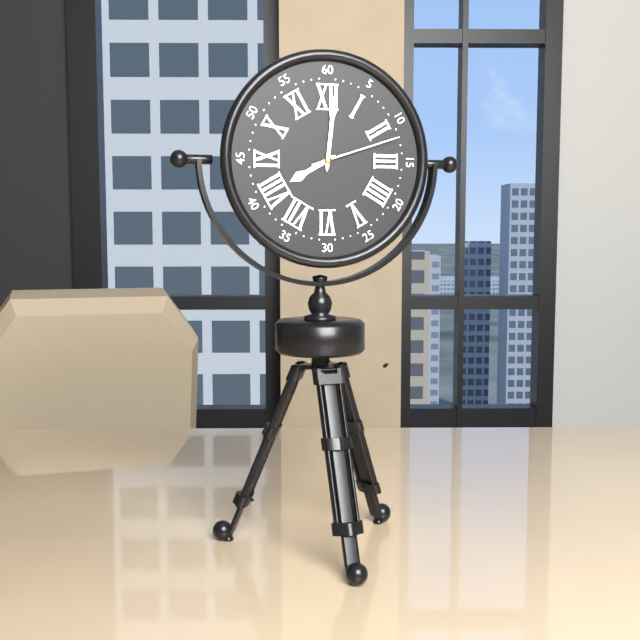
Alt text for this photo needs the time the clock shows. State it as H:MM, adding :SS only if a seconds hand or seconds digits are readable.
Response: 8:01:12
